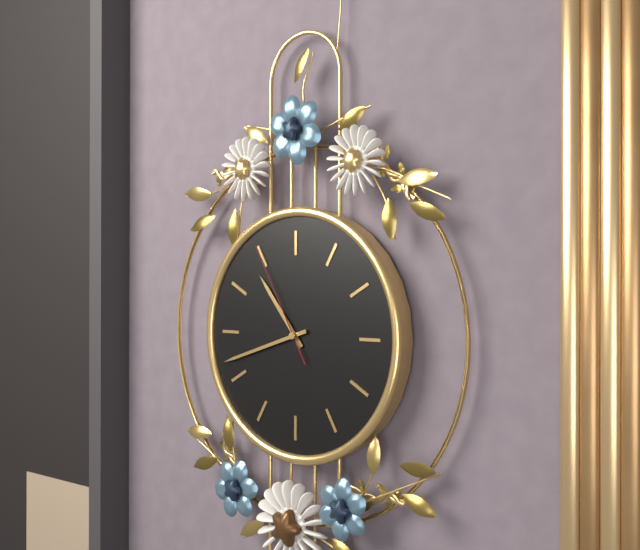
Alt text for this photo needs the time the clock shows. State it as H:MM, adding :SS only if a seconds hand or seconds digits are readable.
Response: 10:42:55
